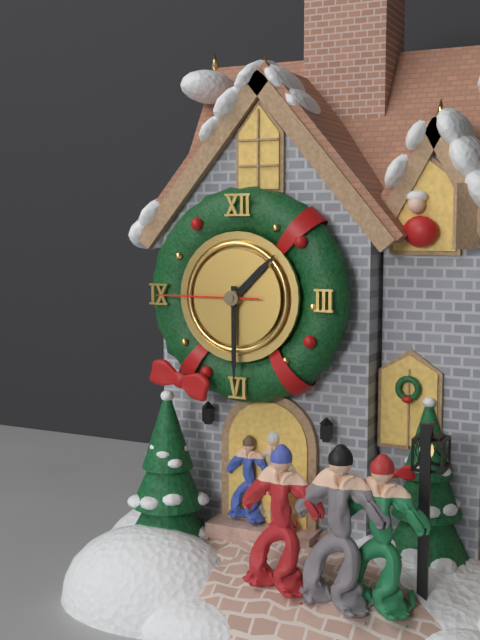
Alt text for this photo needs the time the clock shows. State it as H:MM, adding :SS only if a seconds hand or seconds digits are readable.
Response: 1:30:45
